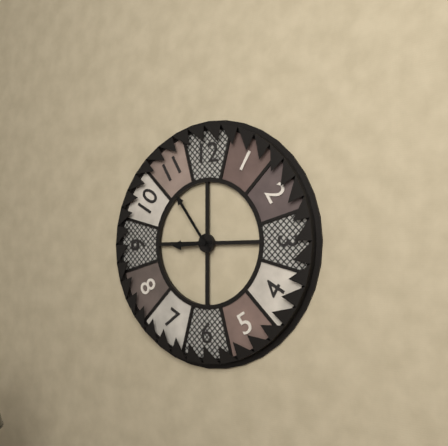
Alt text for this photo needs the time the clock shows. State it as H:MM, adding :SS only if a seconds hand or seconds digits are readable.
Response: 8:54
